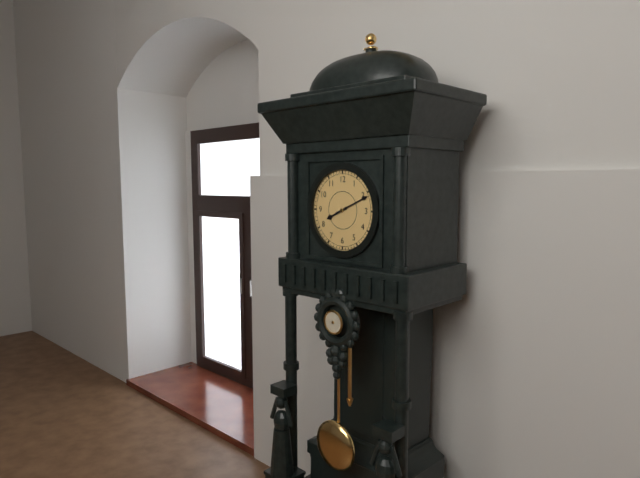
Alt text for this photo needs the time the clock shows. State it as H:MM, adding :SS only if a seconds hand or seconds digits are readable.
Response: 8:11
